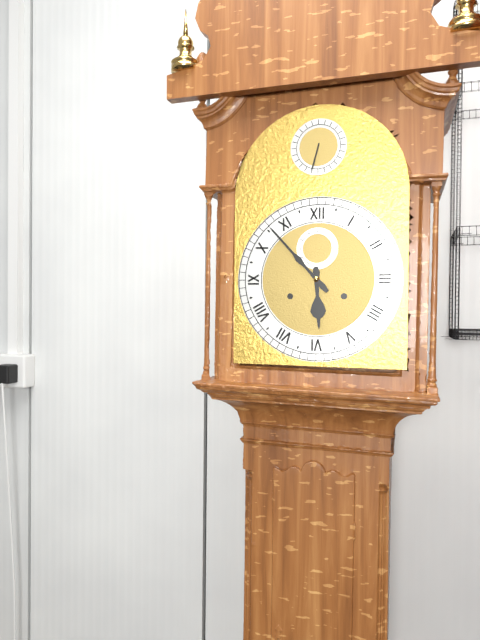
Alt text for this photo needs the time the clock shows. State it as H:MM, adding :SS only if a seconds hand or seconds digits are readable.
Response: 5:53
